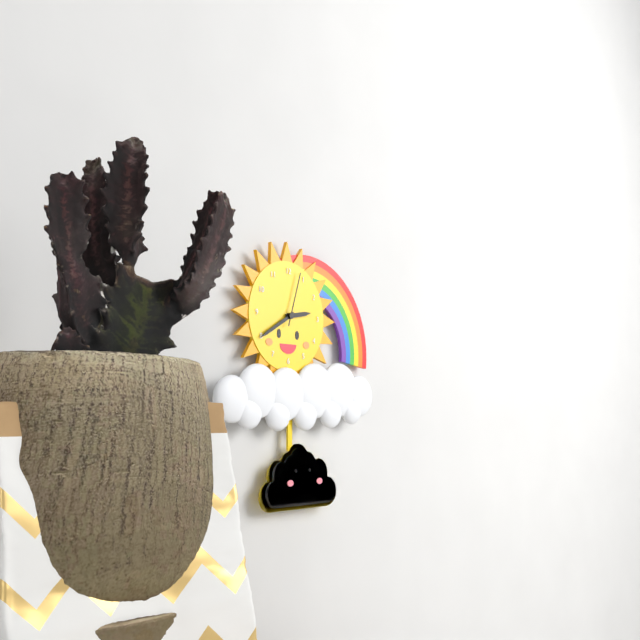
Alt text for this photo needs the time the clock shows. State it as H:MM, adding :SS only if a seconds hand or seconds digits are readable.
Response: 2:40:03
